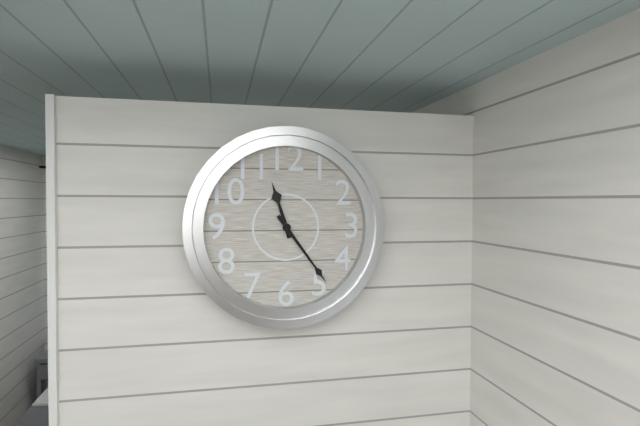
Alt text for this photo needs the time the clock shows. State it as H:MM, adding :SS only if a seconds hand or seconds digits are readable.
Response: 11:24
